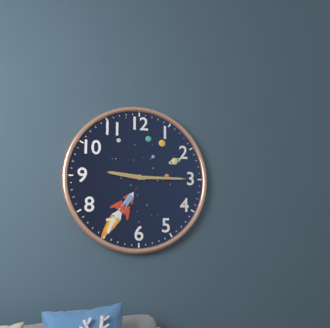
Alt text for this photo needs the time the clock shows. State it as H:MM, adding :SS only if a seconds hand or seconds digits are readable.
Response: 9:15
